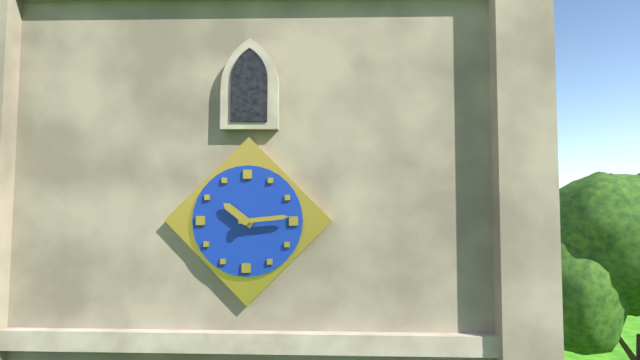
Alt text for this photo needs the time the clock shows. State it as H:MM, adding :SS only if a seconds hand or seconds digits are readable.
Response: 10:14
